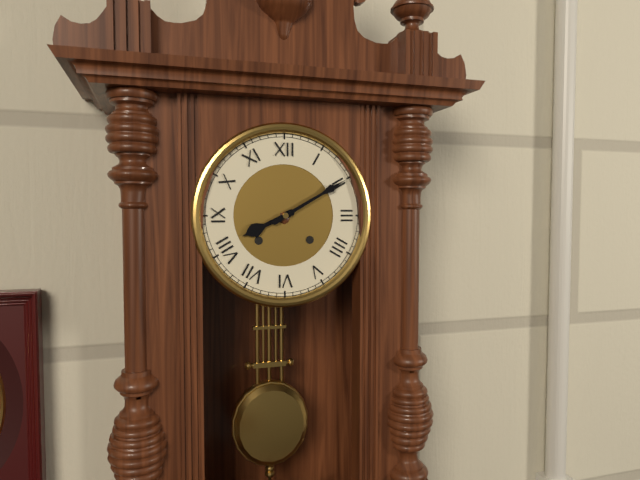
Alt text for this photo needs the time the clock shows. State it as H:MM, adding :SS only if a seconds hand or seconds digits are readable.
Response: 8:10
